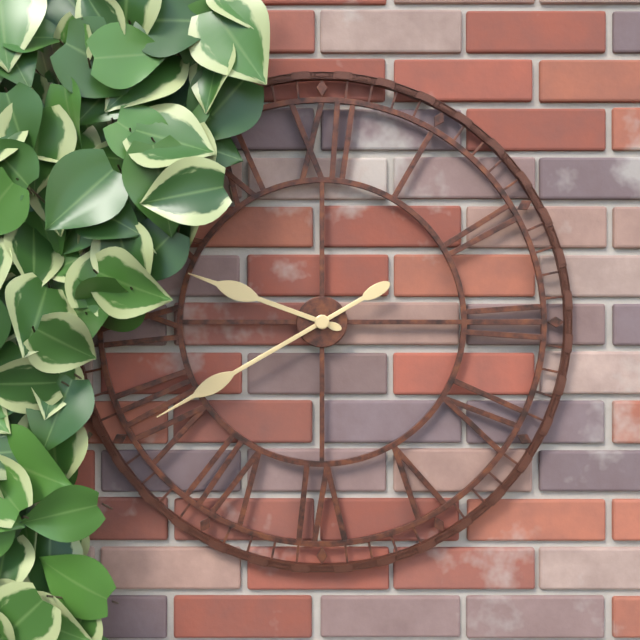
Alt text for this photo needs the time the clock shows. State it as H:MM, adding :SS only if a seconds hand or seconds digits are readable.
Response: 9:40
